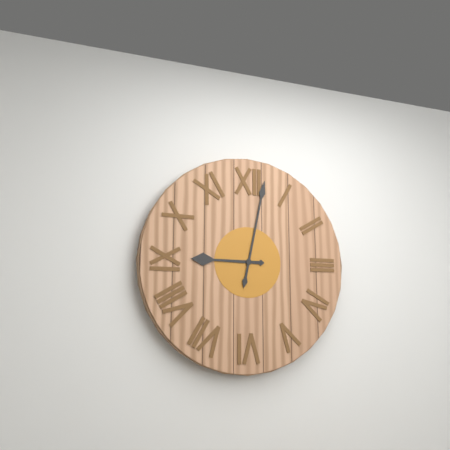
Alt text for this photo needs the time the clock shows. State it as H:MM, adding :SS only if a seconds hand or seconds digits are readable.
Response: 9:02
